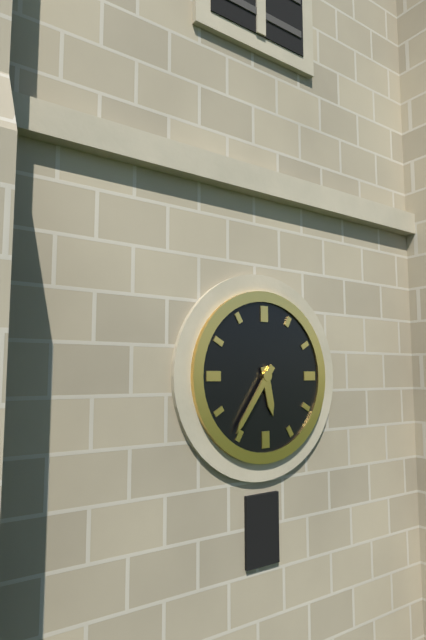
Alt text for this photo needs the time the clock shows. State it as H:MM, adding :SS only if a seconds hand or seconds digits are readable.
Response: 5:36
